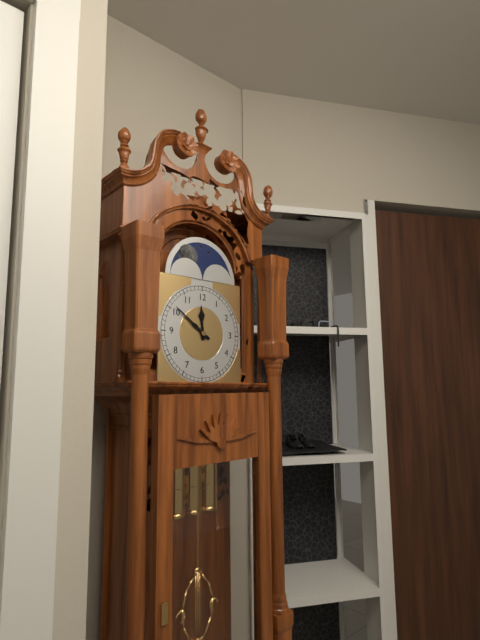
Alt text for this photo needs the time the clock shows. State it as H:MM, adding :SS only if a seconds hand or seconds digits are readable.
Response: 11:51
